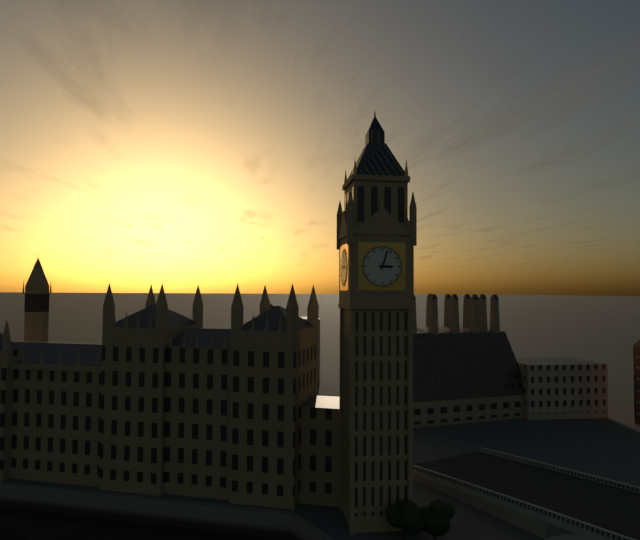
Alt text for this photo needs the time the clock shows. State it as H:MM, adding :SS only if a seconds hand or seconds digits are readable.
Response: 3:03
